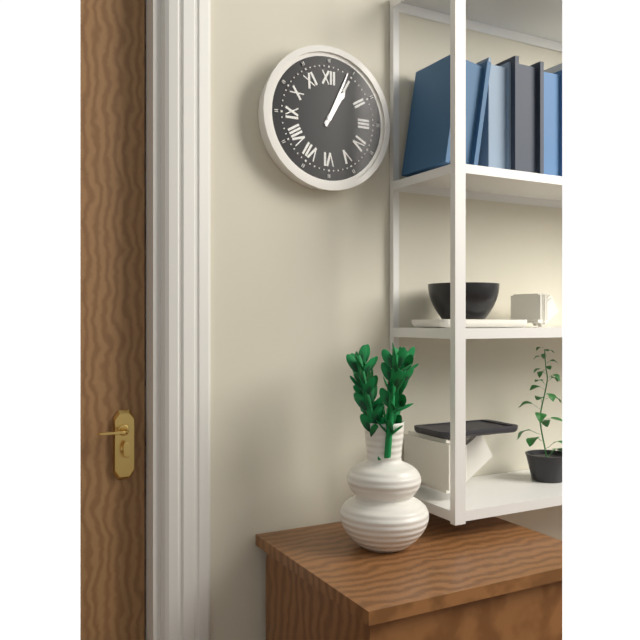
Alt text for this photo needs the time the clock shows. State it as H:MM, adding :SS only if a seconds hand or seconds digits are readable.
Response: 1:04
